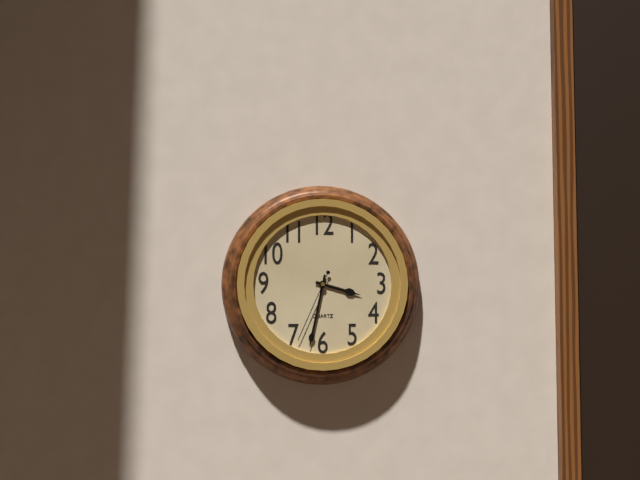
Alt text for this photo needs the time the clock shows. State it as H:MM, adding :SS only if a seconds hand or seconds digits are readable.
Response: 3:32:34
